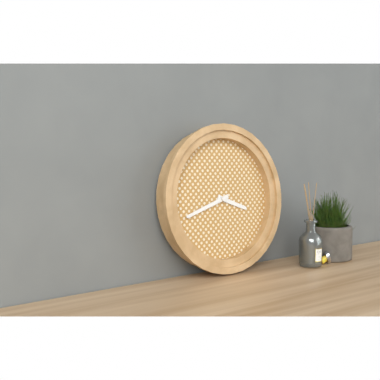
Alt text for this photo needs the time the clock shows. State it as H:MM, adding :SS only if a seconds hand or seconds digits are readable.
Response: 3:42
